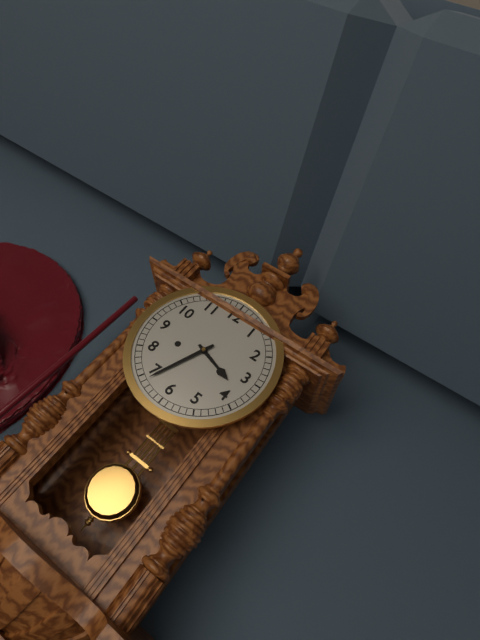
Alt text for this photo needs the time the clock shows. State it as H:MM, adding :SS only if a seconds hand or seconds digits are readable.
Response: 3:34
